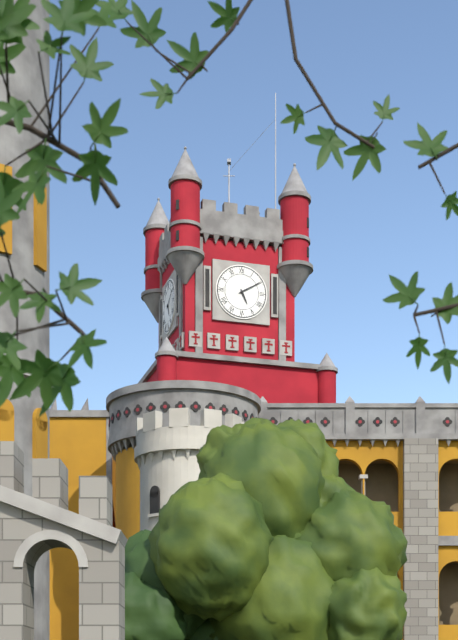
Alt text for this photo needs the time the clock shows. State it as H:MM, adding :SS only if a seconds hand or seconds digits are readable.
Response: 5:10
